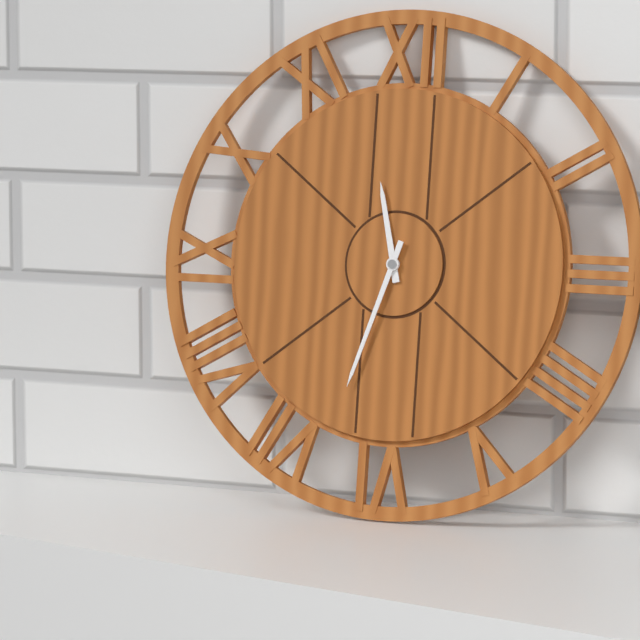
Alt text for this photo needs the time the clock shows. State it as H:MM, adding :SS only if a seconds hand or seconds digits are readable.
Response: 11:33
